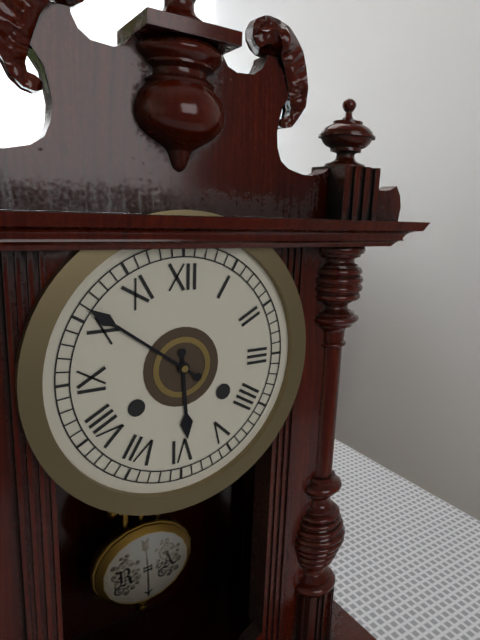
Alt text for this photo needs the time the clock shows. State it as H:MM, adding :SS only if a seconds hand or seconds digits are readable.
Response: 5:51
